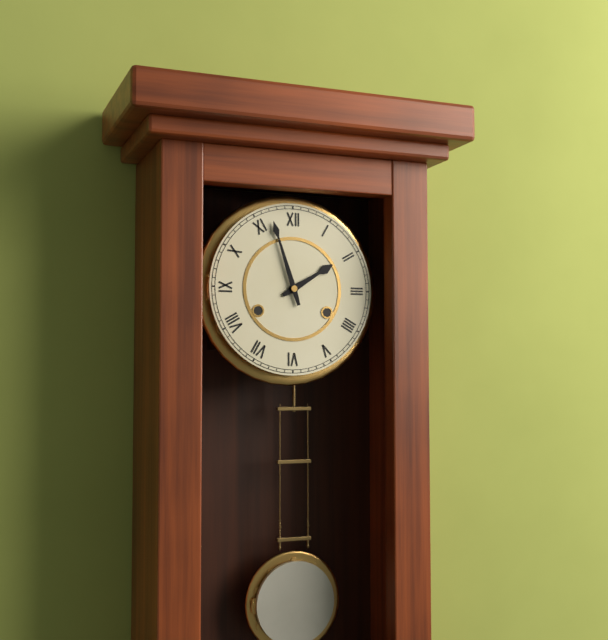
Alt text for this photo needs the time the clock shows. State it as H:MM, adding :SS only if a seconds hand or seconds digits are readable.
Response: 1:57
